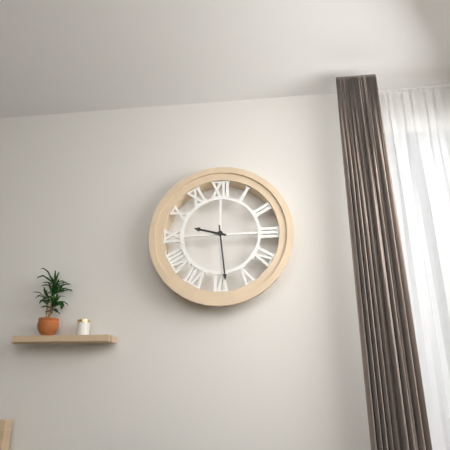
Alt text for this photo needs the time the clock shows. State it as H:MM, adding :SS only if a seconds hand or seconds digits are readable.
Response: 9:29
